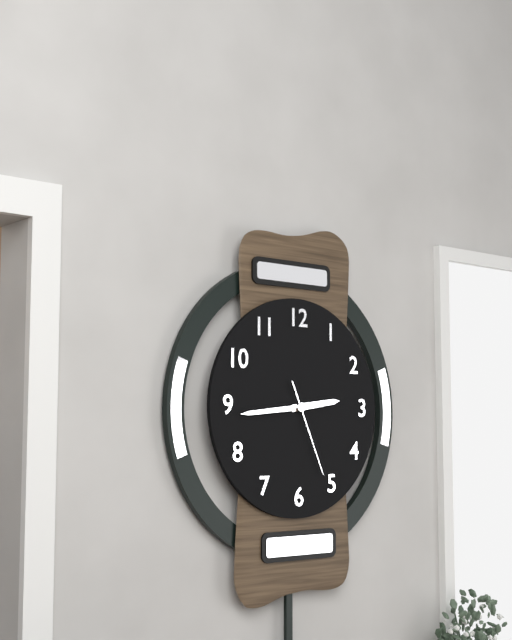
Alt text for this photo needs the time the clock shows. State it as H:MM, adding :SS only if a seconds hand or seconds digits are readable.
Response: 2:44:26
